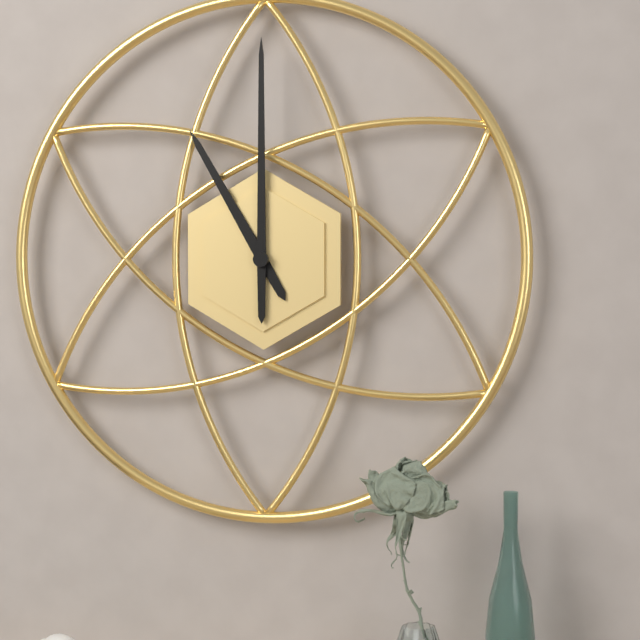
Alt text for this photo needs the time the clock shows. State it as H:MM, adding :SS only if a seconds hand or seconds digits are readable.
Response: 11:00
